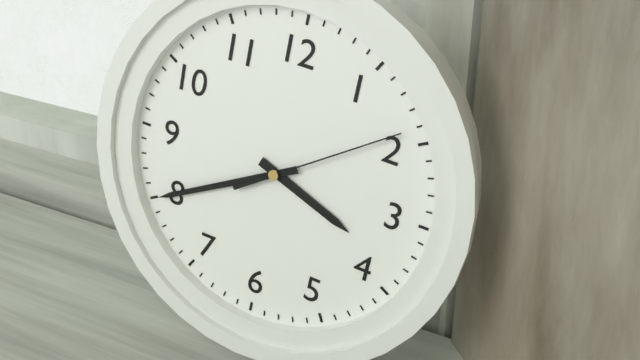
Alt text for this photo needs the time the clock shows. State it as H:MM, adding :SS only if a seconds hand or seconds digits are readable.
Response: 3:40:09
